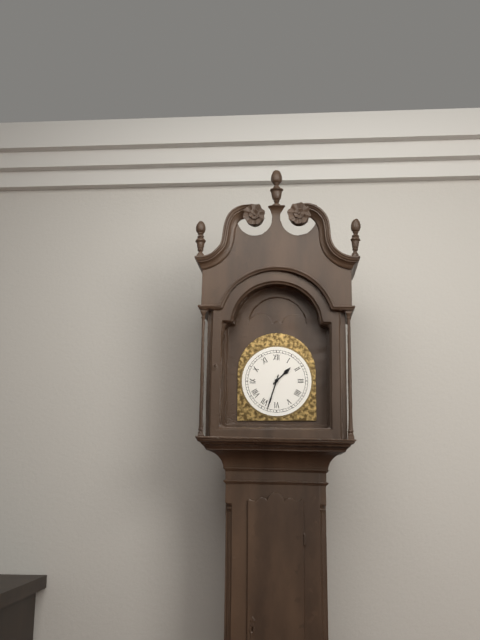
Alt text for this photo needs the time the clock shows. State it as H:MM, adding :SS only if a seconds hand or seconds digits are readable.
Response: 1:33
